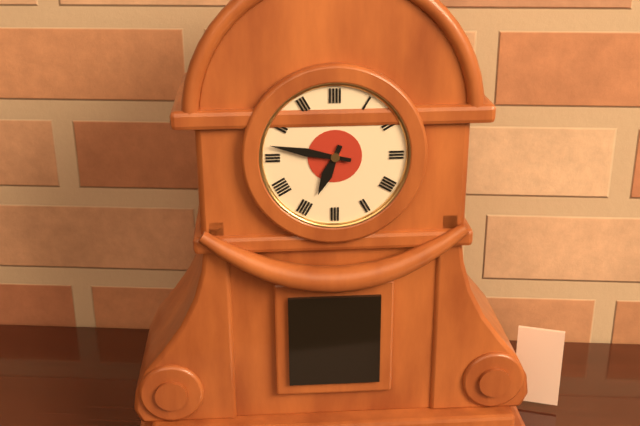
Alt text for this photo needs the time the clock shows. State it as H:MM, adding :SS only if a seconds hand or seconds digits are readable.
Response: 6:47
